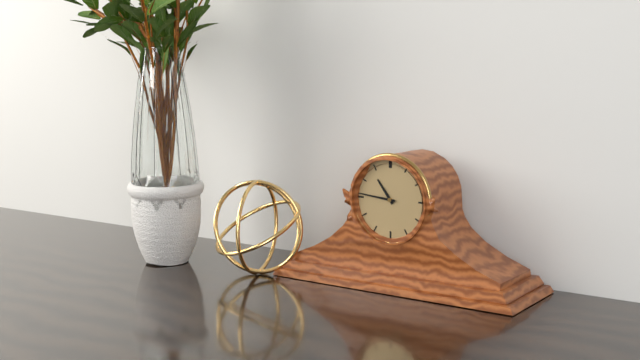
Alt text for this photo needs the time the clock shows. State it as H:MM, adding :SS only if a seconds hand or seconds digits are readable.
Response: 10:46
